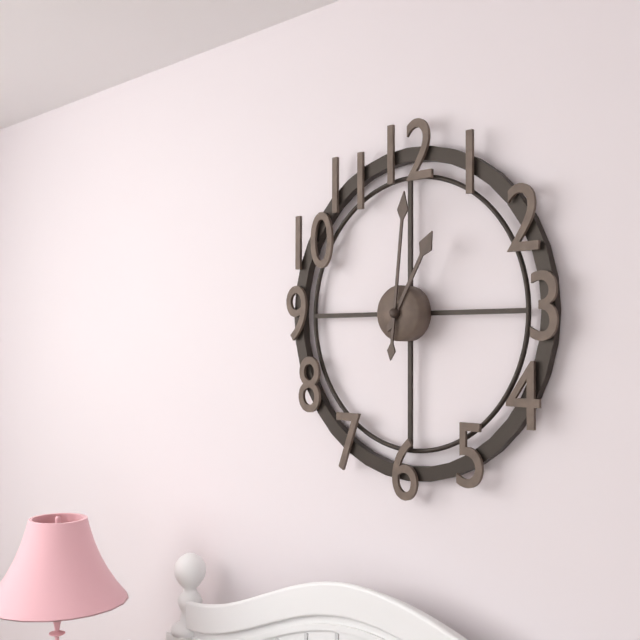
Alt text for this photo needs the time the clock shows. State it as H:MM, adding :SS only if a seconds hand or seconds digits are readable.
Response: 1:01
